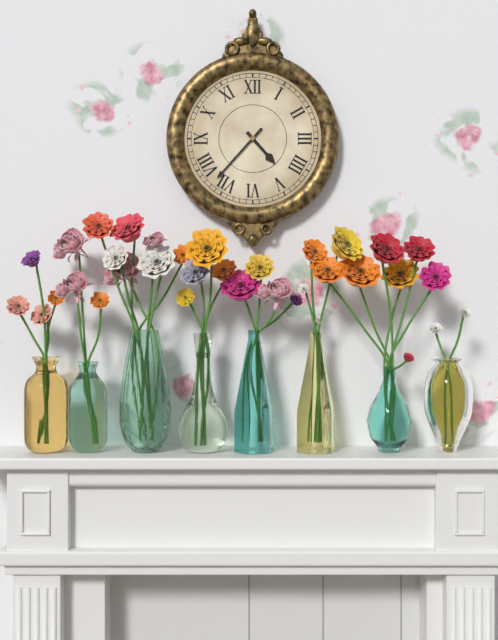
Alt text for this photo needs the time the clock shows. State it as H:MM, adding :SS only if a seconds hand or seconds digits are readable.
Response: 4:37
